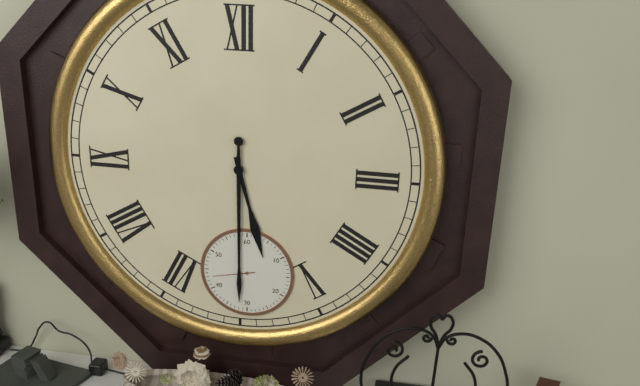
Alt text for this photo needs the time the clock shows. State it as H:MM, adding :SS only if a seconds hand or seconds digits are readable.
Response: 5:30
